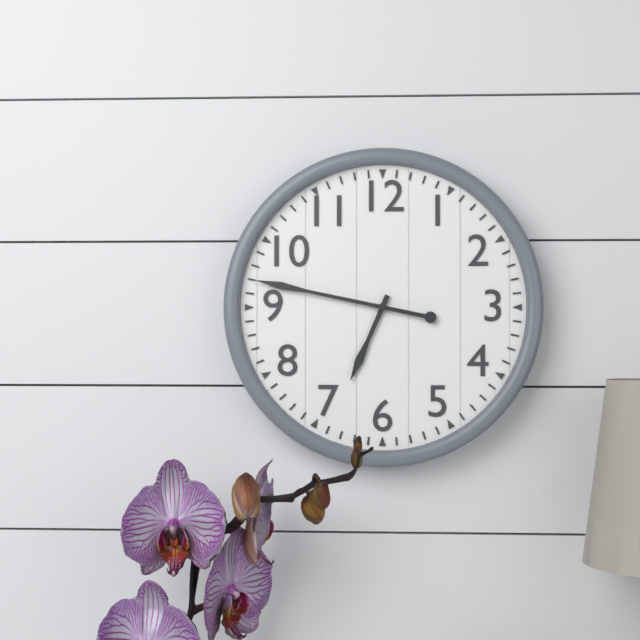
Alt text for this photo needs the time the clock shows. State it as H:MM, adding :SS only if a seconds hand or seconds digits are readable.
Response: 6:47
